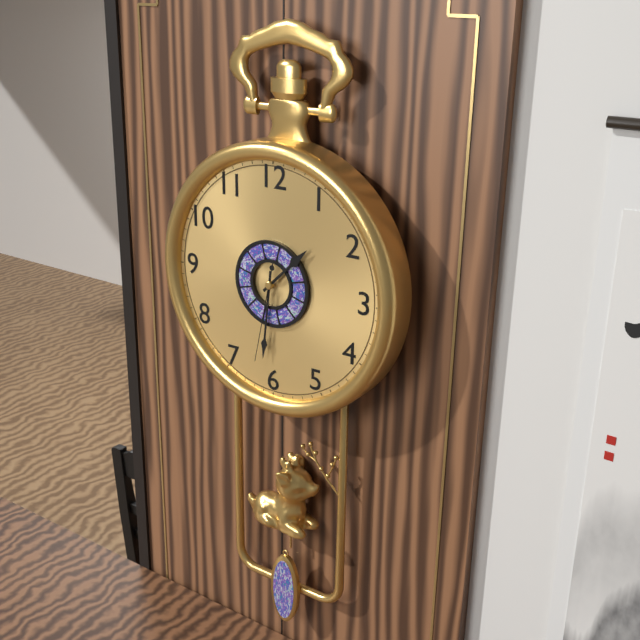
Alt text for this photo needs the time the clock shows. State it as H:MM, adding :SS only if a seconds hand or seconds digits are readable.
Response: 1:31:32
